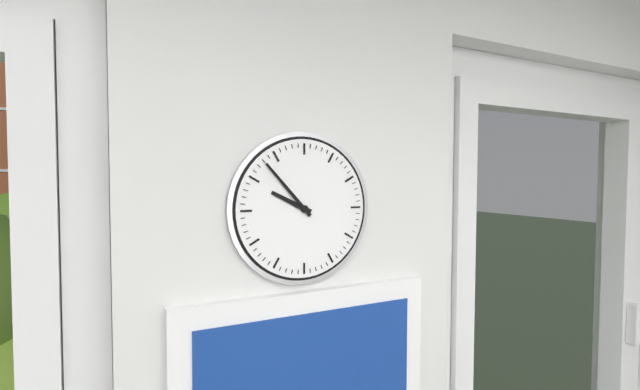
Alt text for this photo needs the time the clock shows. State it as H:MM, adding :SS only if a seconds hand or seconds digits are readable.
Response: 9:53
